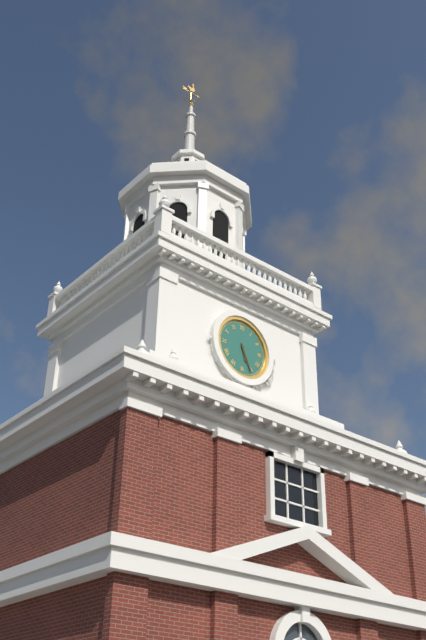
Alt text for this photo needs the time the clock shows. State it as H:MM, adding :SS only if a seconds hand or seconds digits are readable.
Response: 5:26
